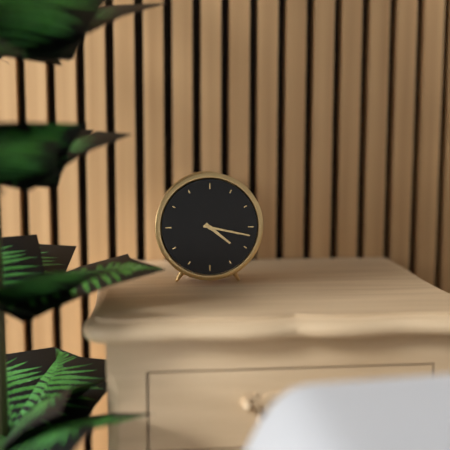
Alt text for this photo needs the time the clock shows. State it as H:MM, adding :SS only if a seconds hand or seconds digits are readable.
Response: 4:17
